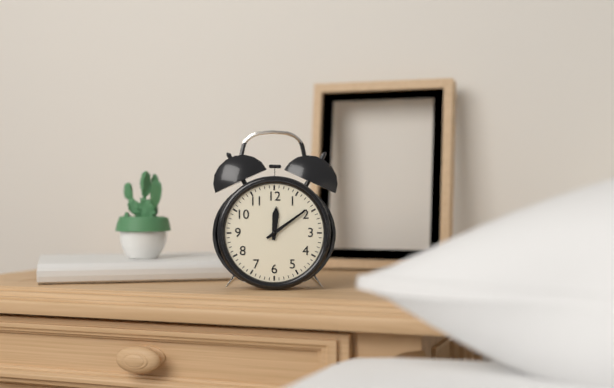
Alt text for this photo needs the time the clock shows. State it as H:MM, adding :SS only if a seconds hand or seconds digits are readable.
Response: 12:09
